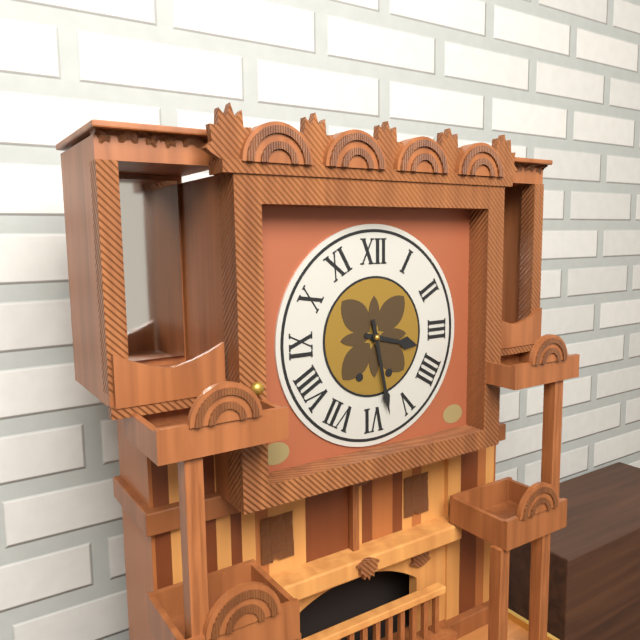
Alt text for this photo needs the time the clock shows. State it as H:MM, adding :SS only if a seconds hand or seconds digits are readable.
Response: 3:28
